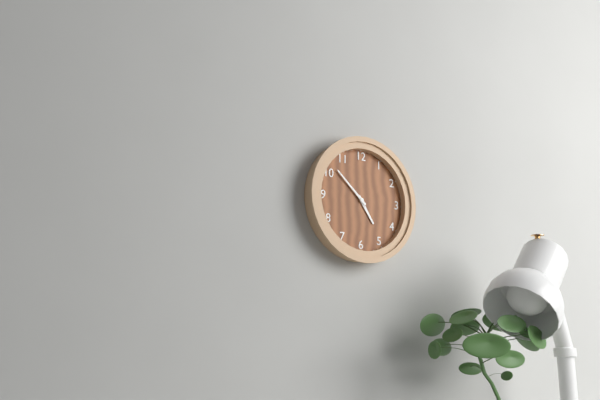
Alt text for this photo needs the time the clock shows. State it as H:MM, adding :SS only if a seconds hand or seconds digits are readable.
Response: 4:52
